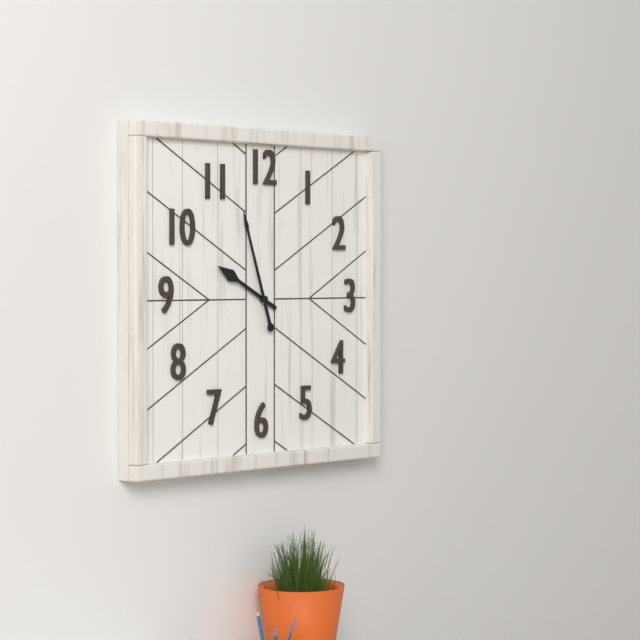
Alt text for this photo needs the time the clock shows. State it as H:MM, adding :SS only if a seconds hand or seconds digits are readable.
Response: 9:57
